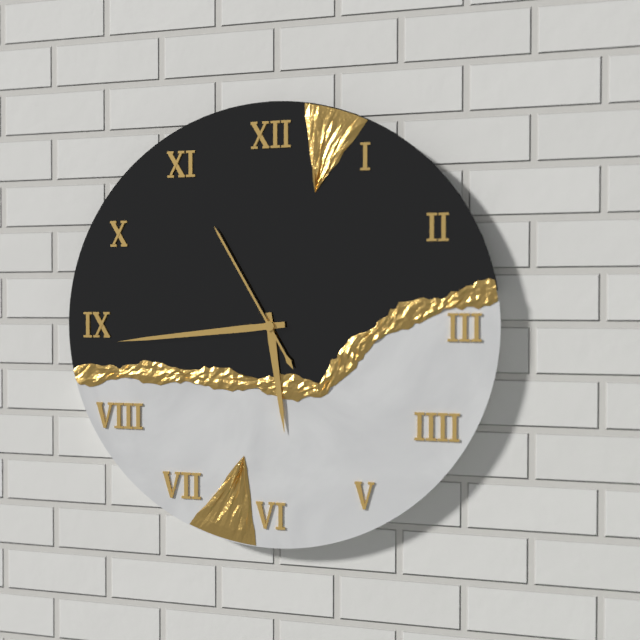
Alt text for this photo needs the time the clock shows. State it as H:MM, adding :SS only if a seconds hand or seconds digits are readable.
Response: 5:44:55
